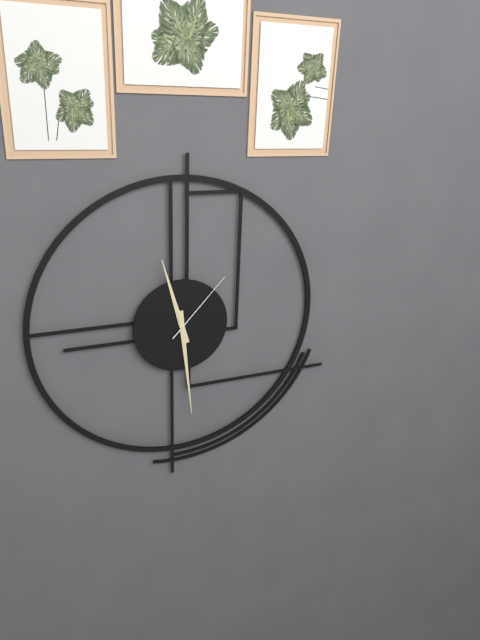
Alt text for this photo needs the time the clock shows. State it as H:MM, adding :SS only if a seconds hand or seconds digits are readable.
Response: 11:29:07
